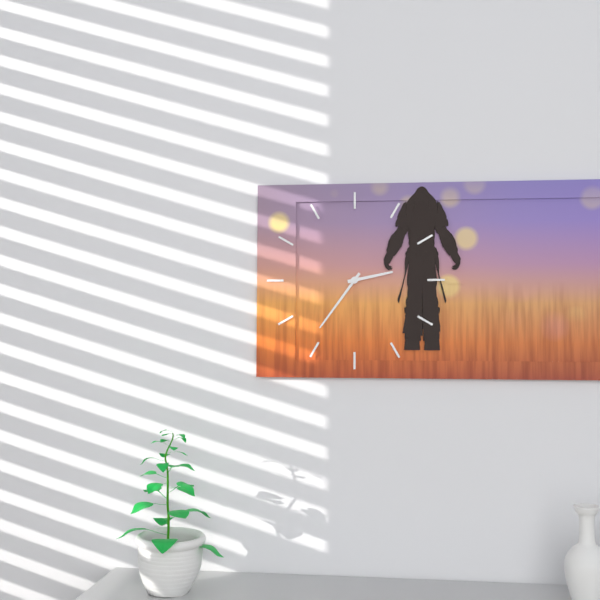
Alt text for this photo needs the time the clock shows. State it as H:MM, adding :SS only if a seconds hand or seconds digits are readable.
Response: 2:36
